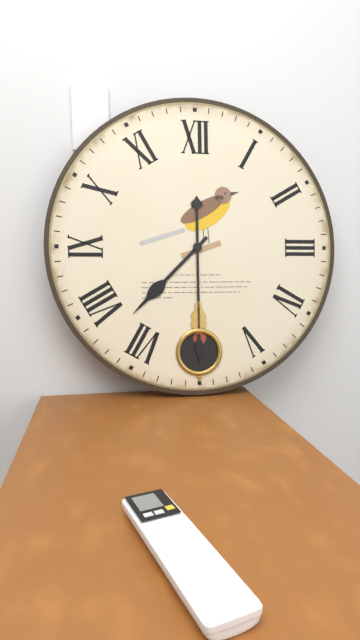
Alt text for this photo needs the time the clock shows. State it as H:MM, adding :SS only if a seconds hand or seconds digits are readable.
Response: 7:30
